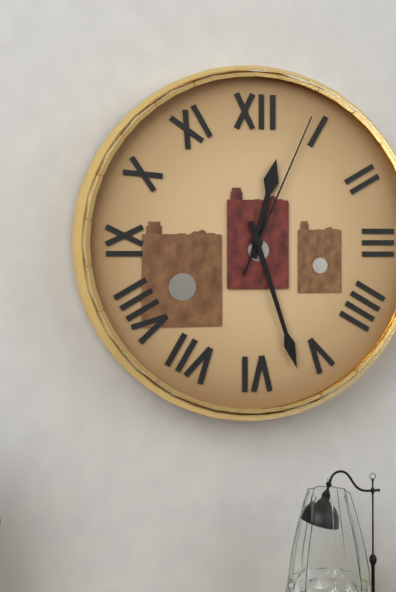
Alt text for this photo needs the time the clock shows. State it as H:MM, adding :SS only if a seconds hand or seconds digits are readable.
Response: 12:27:04
